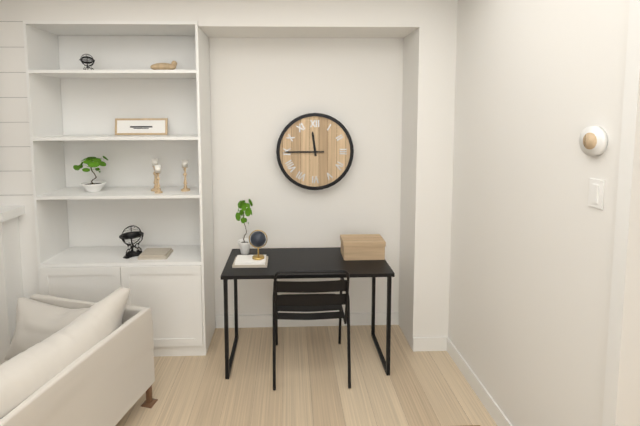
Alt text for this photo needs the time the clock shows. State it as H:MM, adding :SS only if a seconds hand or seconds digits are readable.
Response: 11:45
